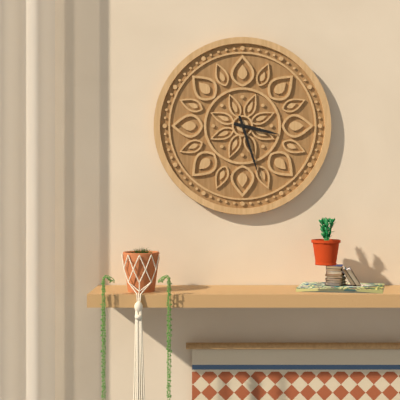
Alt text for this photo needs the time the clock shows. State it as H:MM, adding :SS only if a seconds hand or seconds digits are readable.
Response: 3:27
